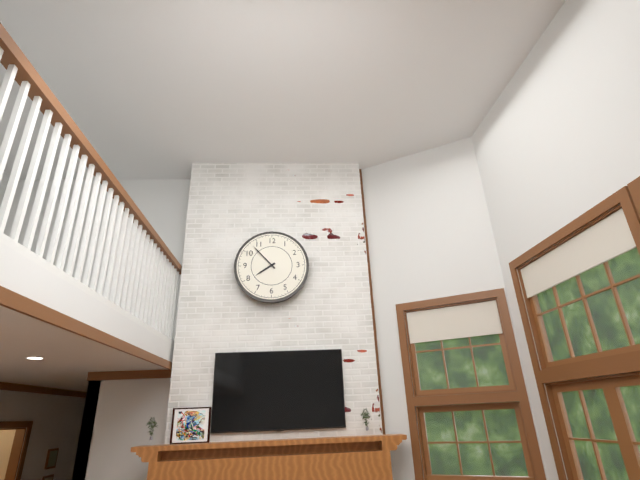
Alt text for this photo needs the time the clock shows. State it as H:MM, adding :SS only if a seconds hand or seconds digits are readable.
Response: 7:53
